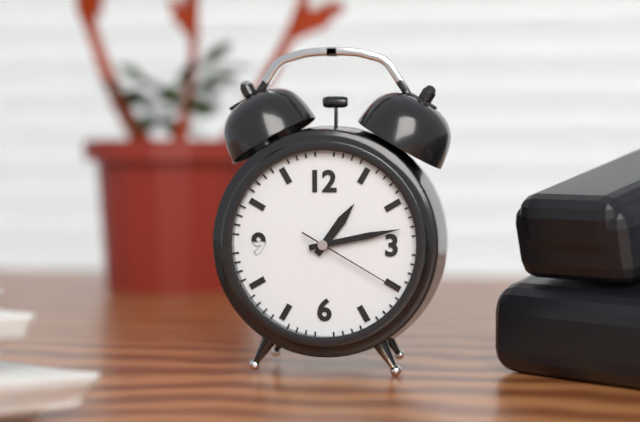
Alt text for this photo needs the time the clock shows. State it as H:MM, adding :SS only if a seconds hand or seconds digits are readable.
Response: 1:13:20
